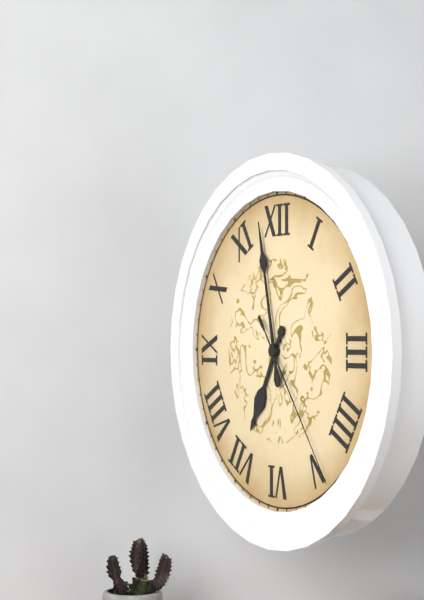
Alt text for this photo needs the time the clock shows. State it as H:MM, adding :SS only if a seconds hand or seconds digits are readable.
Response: 6:58:24
